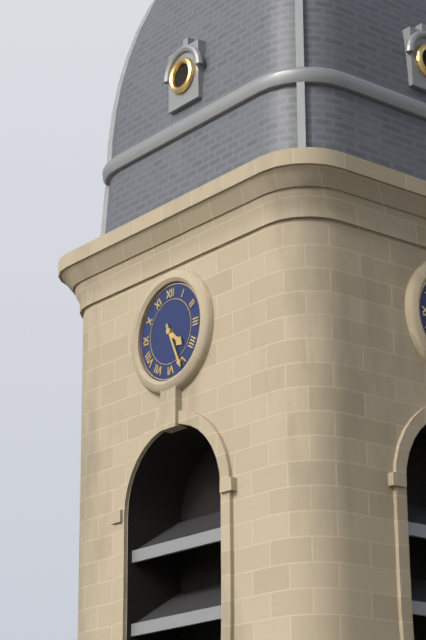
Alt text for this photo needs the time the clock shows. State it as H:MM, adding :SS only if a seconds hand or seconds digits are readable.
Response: 4:26
